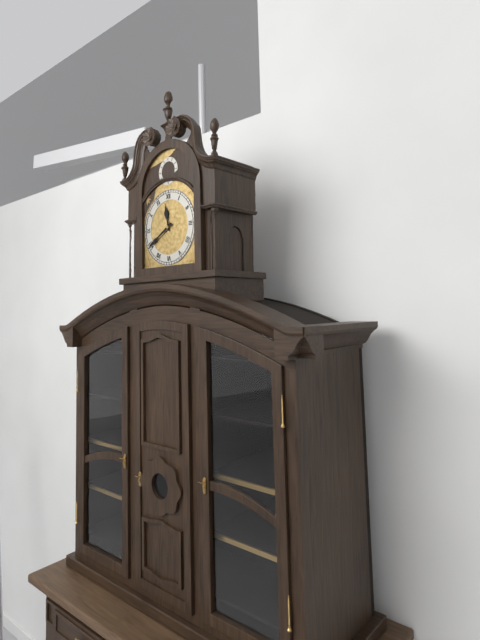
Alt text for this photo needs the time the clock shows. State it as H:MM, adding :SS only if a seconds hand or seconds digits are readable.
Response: 11:40
